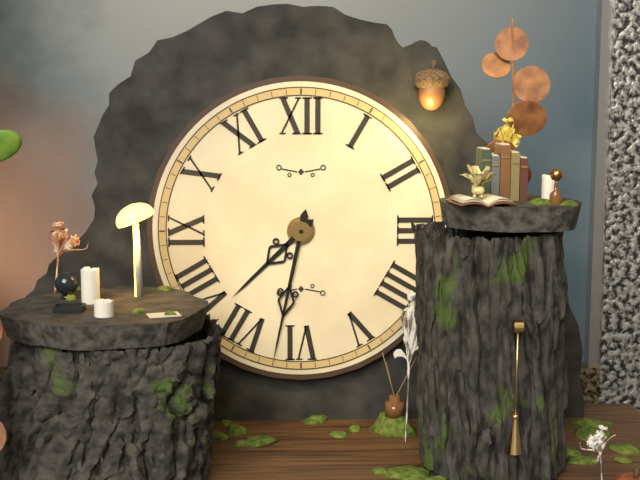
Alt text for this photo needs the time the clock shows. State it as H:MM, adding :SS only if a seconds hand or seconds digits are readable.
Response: 7:32
